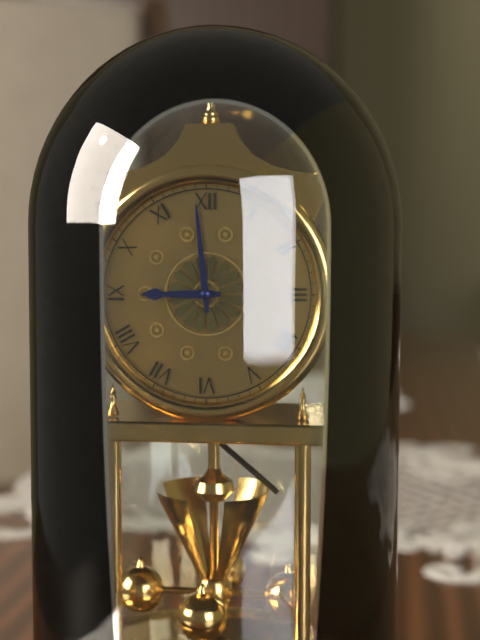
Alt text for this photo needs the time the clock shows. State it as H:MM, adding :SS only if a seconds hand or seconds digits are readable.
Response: 8:59
